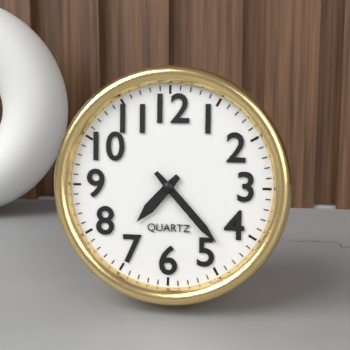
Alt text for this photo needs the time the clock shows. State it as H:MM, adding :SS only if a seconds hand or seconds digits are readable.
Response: 7:23
